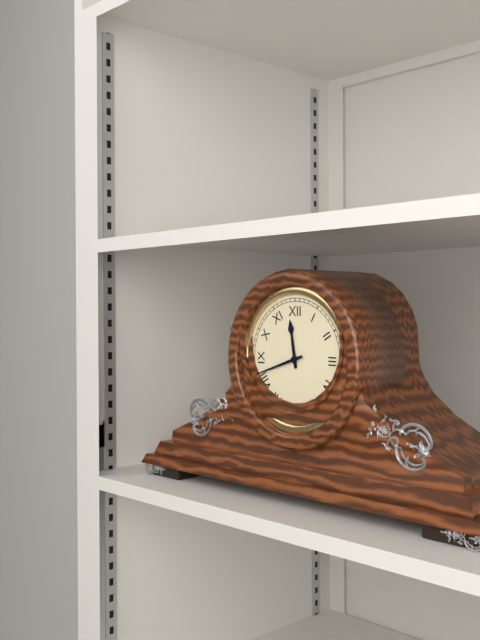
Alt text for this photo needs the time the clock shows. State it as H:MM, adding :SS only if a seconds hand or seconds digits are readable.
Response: 11:42
